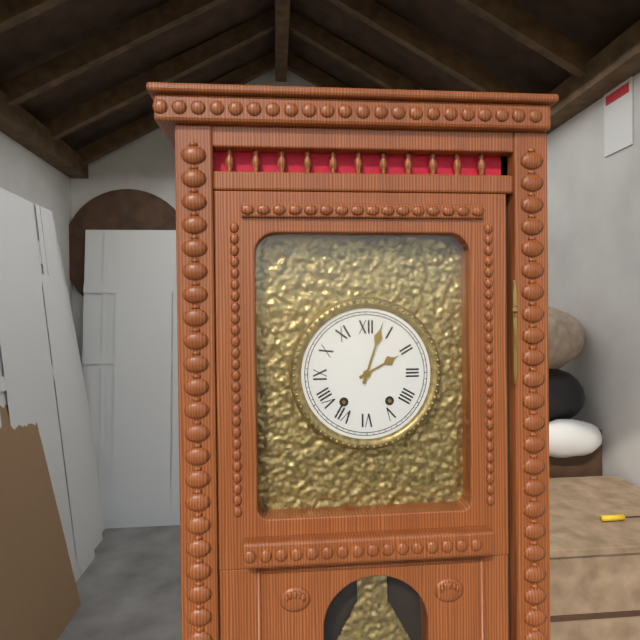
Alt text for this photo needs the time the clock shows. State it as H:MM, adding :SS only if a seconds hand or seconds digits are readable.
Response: 2:03
